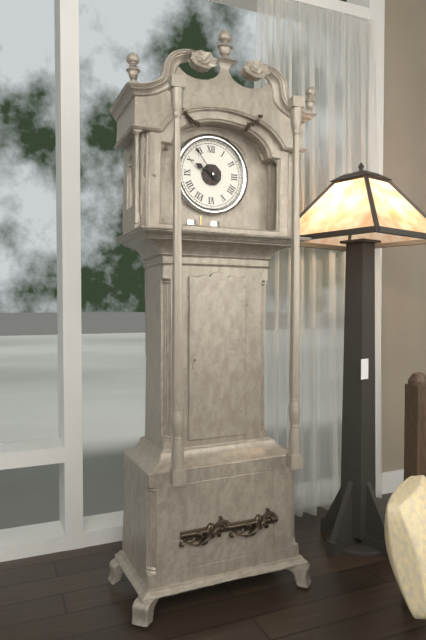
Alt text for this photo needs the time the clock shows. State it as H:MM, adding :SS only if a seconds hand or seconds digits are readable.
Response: 9:54
